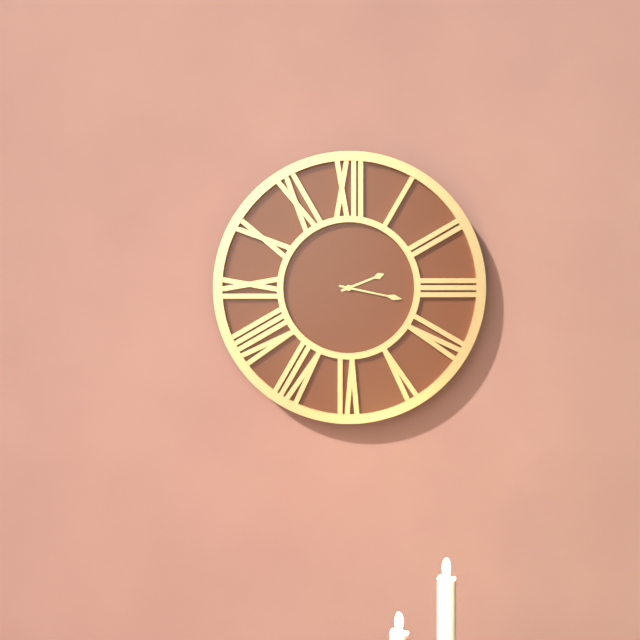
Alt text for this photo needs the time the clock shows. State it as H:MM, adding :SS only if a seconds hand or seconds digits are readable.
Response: 2:17
